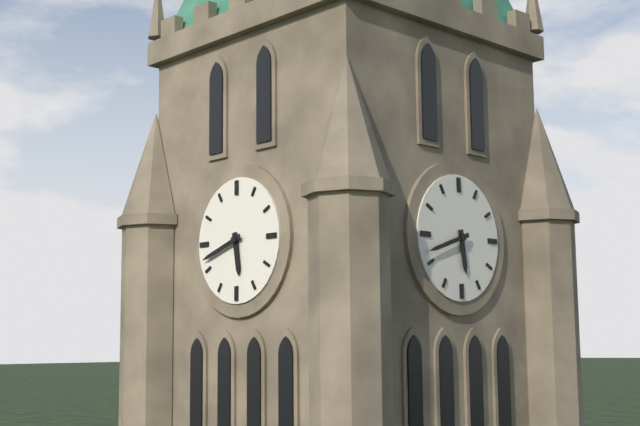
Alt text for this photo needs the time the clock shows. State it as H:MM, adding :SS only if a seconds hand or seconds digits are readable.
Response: 5:42
